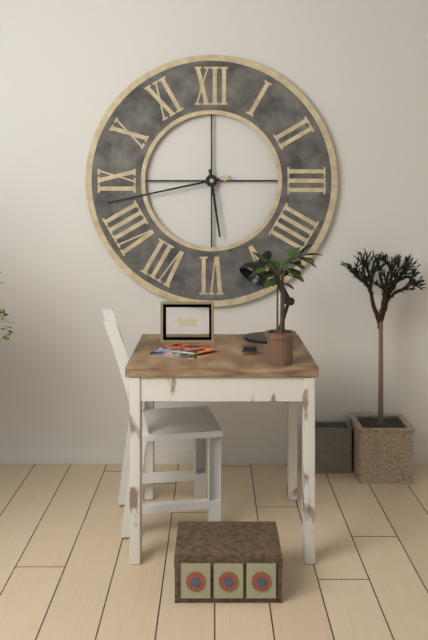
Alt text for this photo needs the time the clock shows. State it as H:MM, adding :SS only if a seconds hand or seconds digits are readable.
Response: 5:43
